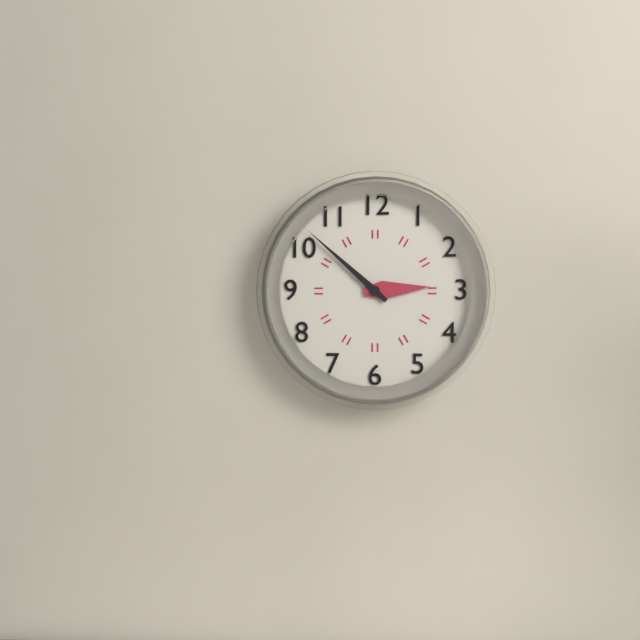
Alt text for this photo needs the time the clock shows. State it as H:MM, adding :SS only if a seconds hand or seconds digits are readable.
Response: 2:52
